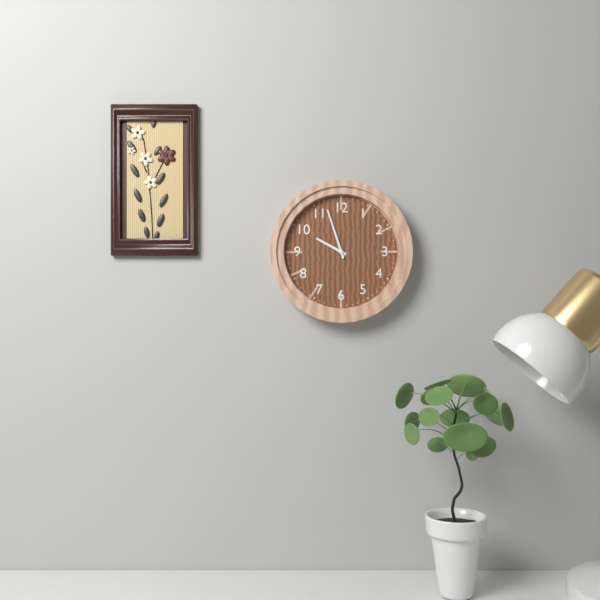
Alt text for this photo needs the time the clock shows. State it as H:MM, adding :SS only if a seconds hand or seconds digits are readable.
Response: 9:57
